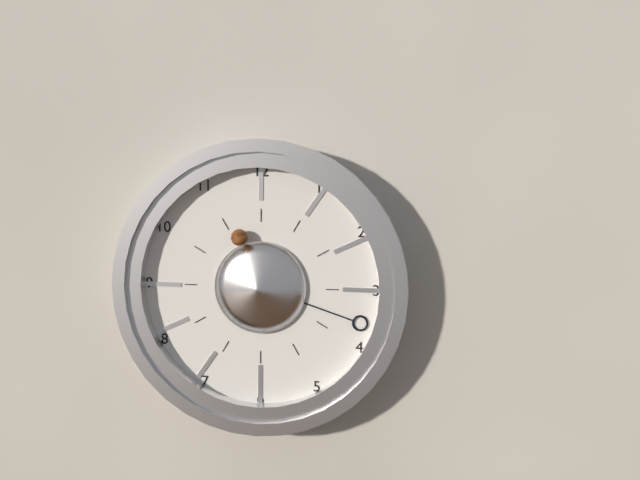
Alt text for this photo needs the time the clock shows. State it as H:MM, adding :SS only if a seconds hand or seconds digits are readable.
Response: 11:18
